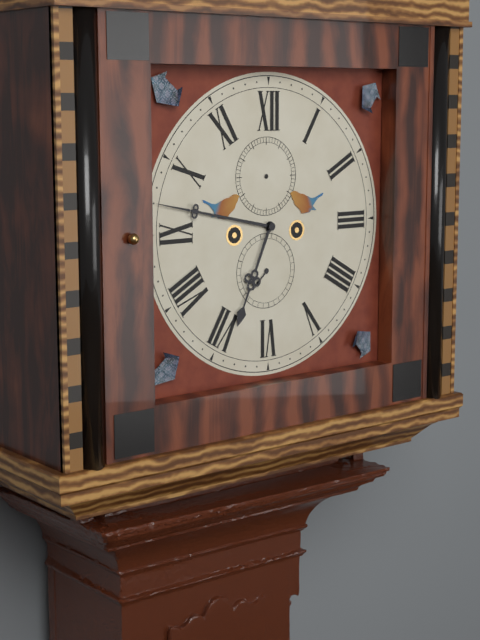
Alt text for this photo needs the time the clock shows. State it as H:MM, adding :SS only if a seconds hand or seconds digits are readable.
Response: 6:47
